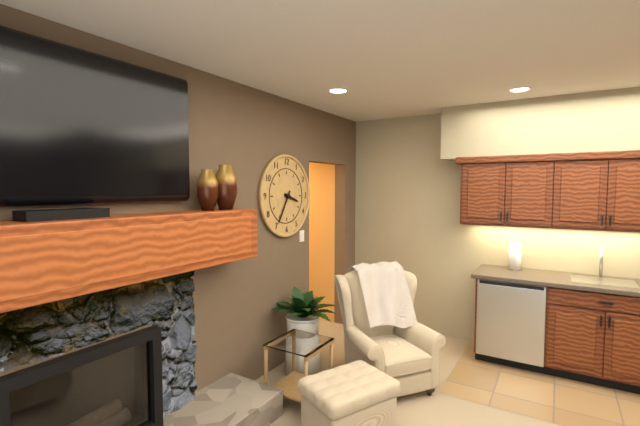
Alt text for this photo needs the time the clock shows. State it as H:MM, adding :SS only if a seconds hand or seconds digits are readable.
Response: 3:35
